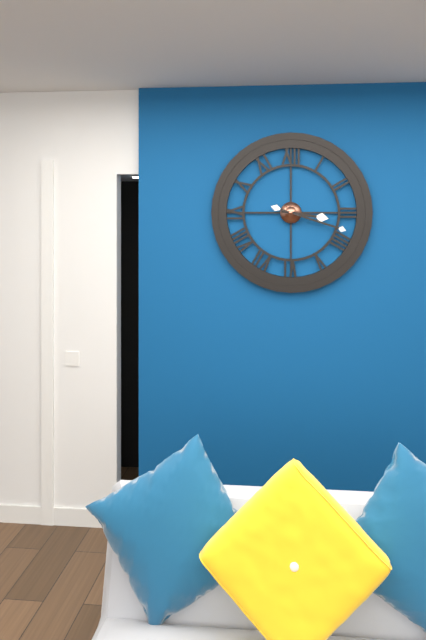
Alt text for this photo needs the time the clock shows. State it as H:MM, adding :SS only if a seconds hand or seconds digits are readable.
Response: 3:18
